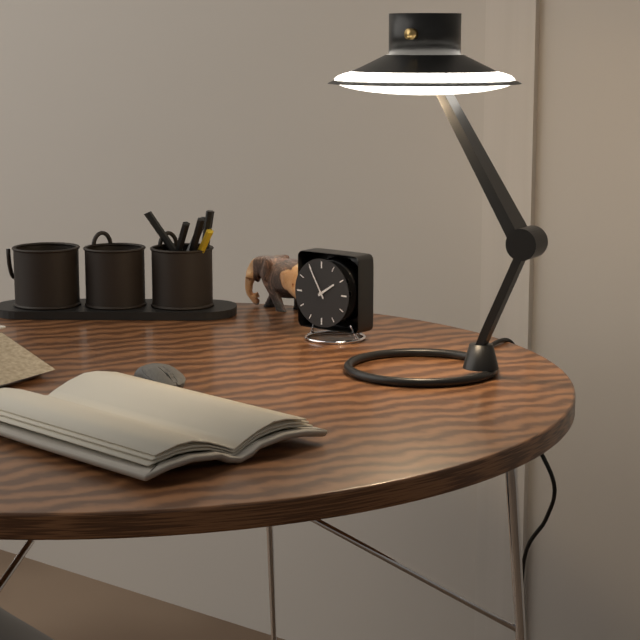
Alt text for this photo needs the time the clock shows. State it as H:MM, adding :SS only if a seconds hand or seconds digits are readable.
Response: 1:55
